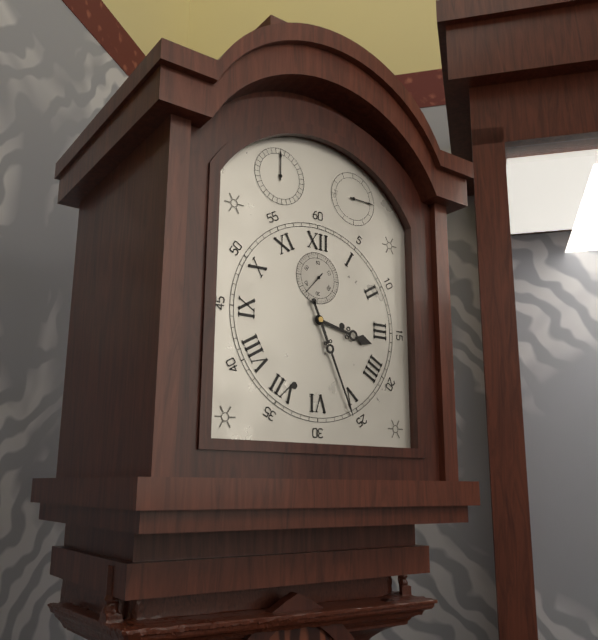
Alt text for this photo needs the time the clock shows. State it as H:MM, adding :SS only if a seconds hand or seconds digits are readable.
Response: 3:26
